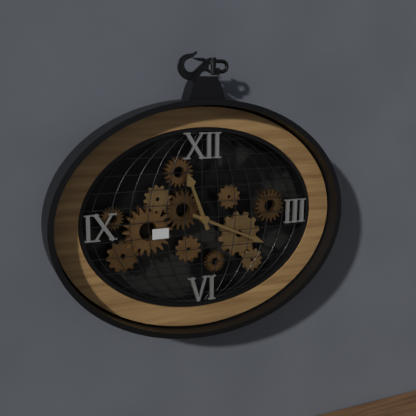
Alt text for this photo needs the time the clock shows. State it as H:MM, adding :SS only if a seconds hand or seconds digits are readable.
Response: 11:19
